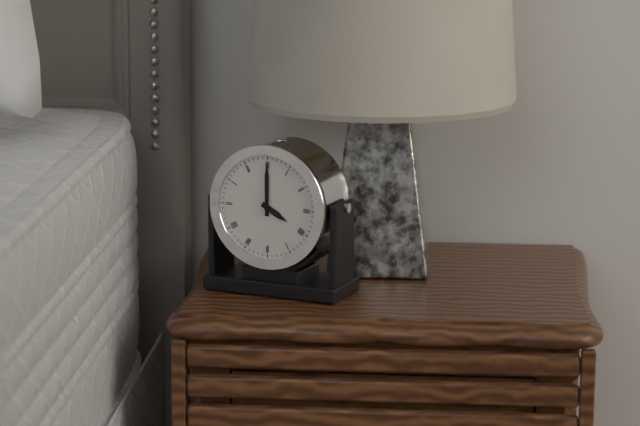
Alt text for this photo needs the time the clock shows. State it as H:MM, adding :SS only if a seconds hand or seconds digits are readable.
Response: 4:00
